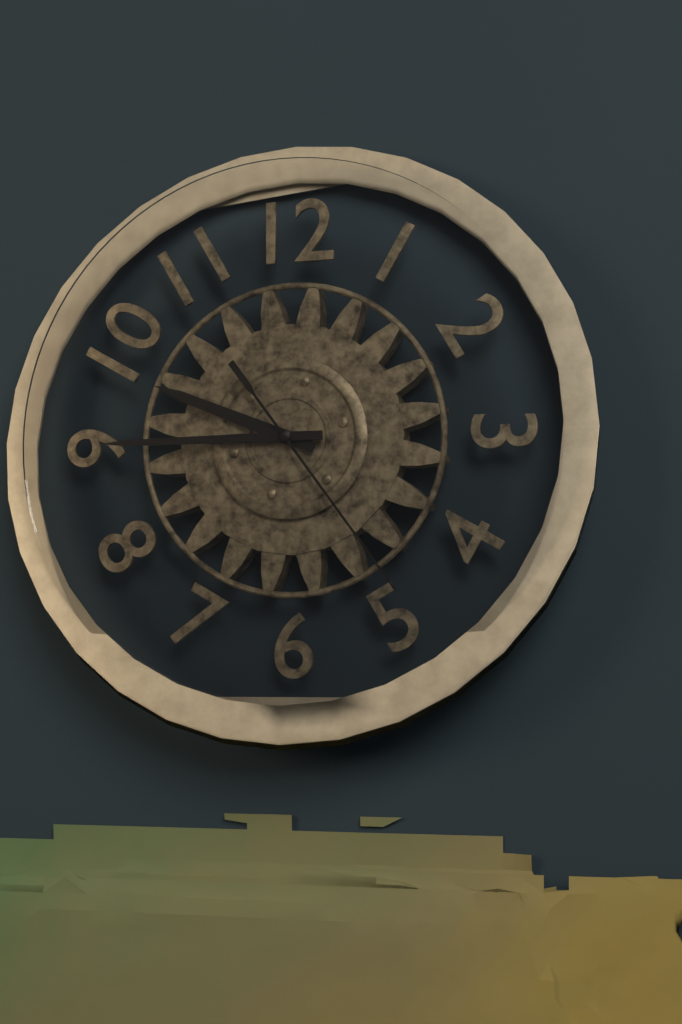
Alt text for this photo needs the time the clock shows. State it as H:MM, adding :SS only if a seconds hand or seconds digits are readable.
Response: 9:45:24
